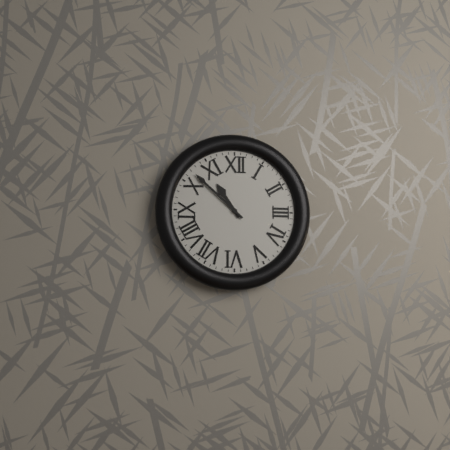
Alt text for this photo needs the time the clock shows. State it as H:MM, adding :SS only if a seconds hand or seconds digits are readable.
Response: 10:52
